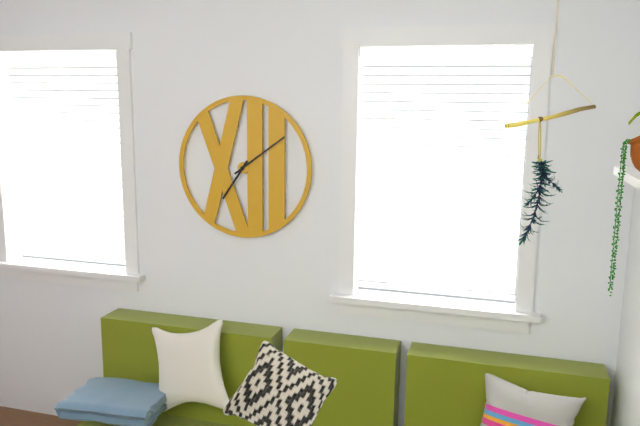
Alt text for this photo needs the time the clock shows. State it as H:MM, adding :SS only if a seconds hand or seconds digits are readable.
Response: 7:09
